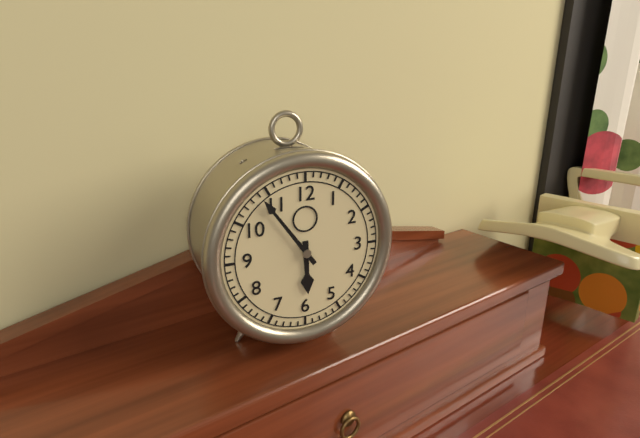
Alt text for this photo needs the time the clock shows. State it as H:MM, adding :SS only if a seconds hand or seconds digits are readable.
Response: 5:54
